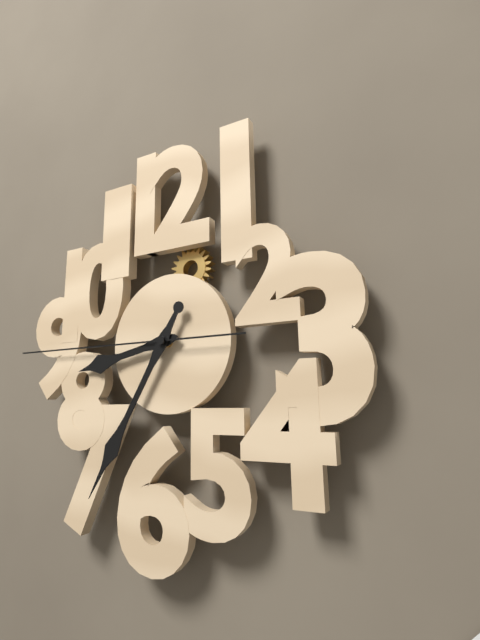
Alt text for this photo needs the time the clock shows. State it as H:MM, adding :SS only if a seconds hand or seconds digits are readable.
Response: 8:35:45
